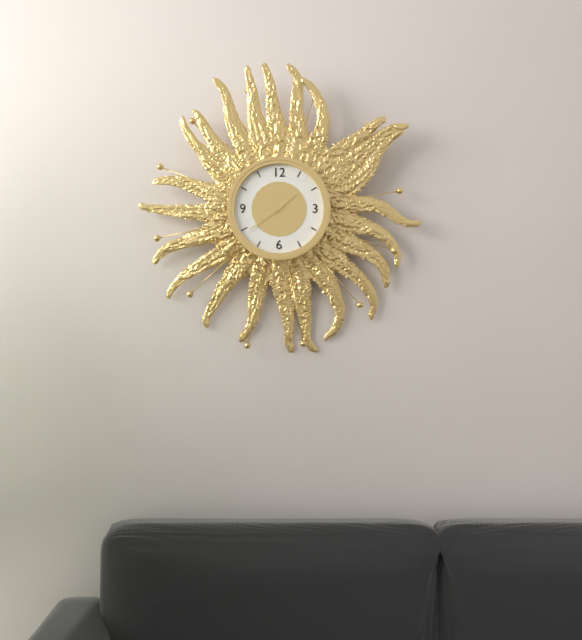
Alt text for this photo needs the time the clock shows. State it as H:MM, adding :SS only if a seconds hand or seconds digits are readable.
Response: 1:39
